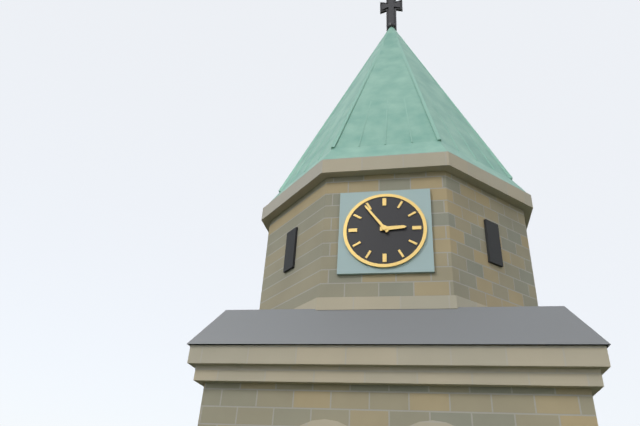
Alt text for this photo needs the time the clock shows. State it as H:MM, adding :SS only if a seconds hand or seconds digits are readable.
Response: 2:54
